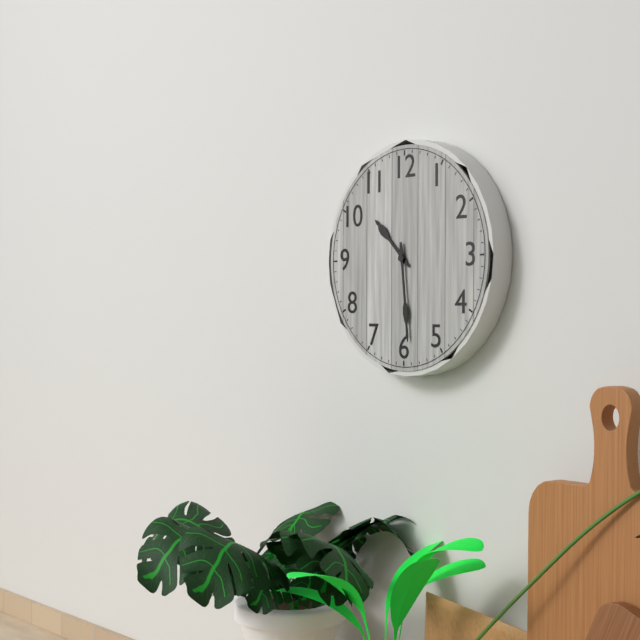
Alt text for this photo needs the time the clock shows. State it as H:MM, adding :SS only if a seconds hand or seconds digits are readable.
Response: 10:29
